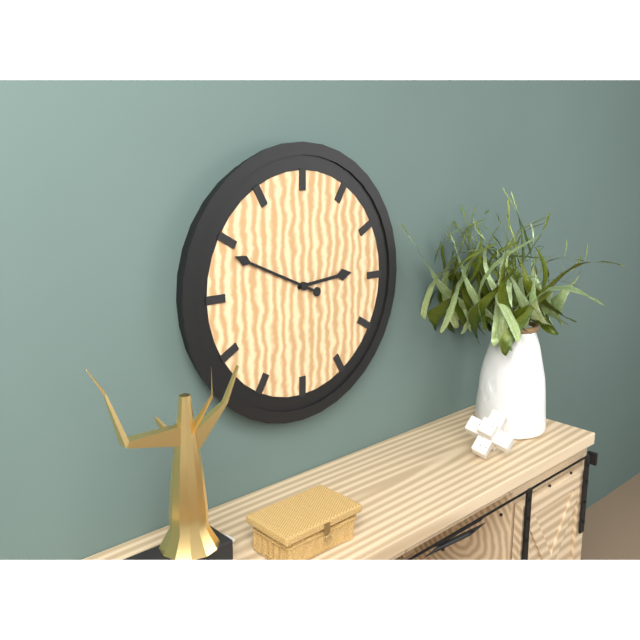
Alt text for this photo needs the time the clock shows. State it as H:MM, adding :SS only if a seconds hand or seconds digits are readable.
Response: 2:49
